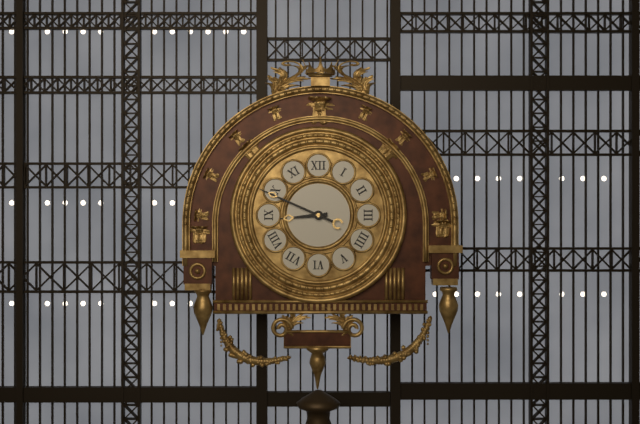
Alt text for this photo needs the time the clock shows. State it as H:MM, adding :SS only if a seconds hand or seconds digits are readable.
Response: 8:49
